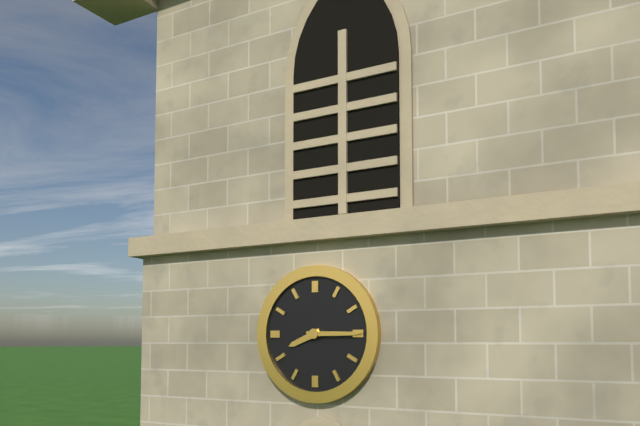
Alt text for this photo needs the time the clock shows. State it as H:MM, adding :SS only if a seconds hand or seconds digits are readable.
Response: 8:15
